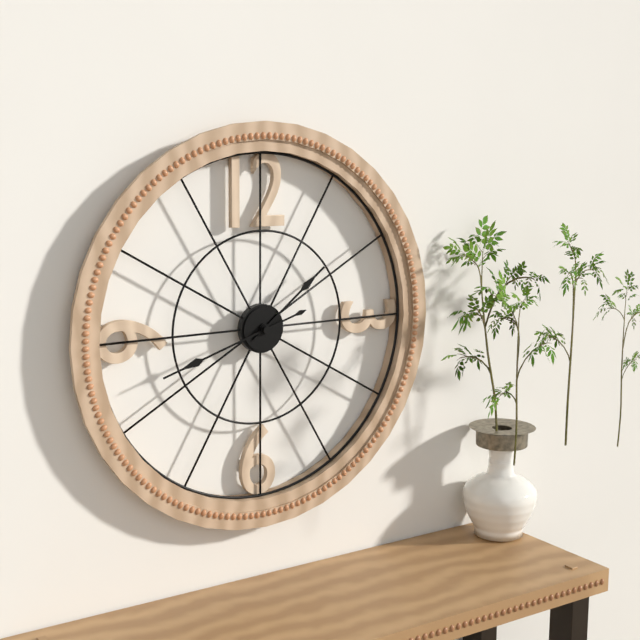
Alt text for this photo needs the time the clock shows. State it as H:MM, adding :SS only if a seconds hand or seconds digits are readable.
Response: 1:42
